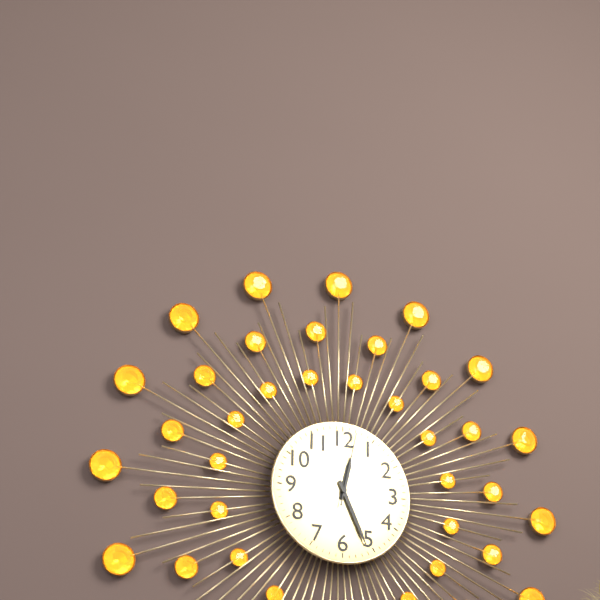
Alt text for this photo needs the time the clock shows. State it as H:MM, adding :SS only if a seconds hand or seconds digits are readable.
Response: 12:26:02
